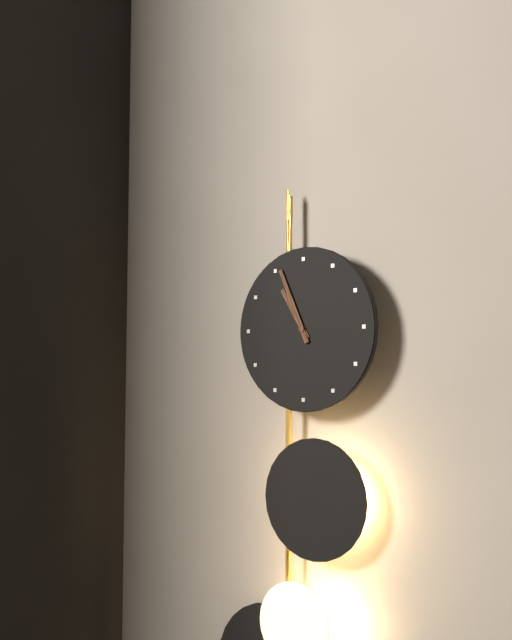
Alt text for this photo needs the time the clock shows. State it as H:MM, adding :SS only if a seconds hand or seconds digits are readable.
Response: 10:56
